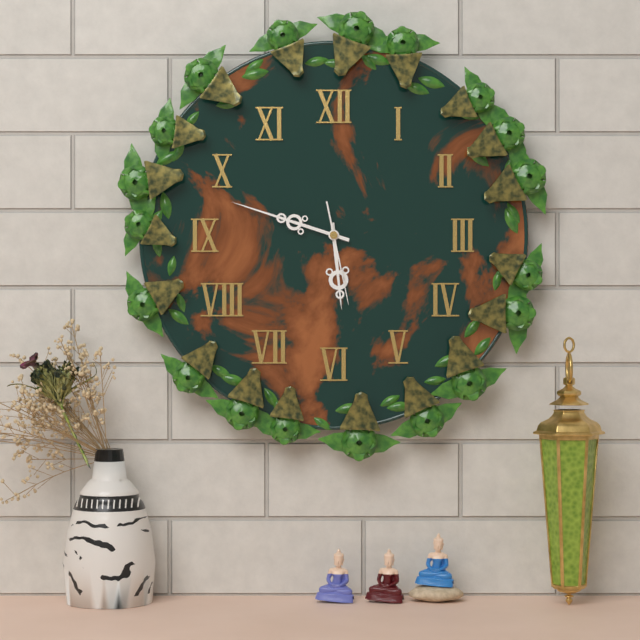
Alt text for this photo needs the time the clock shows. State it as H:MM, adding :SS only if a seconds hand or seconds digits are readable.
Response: 5:48:28
